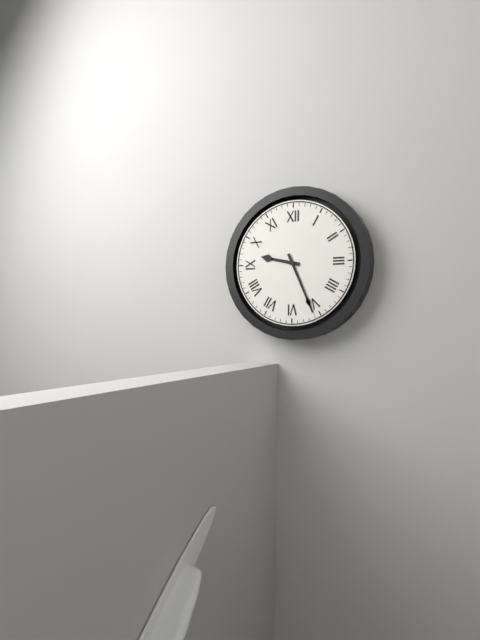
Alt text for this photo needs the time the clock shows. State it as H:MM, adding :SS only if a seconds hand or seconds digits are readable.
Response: 9:26
